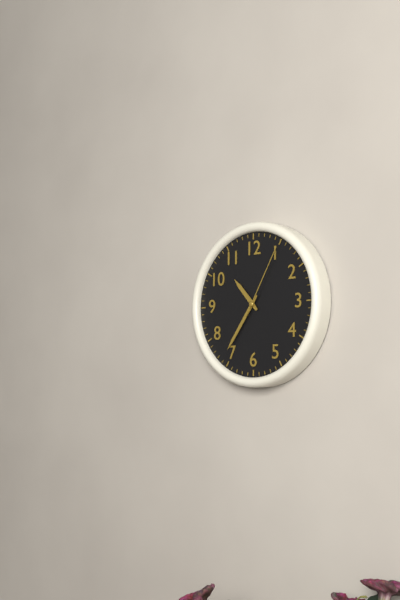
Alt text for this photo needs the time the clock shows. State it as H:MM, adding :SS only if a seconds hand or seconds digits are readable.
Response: 10:36:05
